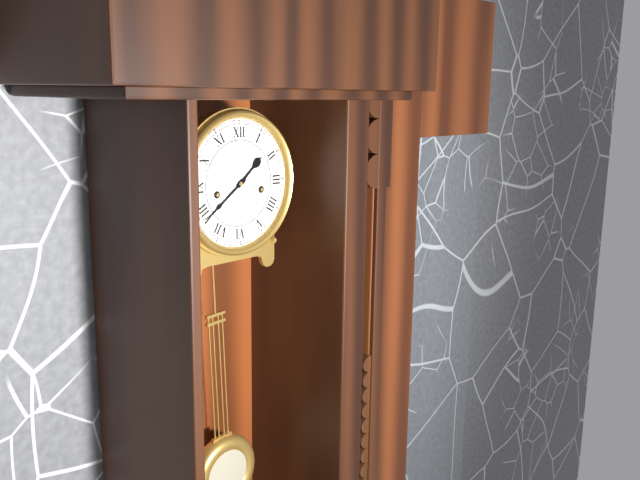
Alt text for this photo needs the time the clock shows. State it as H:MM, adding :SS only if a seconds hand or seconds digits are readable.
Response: 1:39
